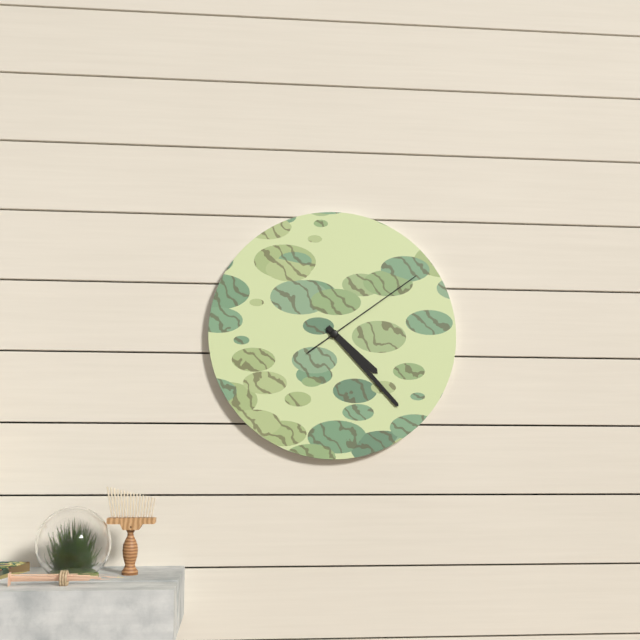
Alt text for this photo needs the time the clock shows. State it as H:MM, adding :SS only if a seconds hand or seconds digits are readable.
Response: 4:23:09
